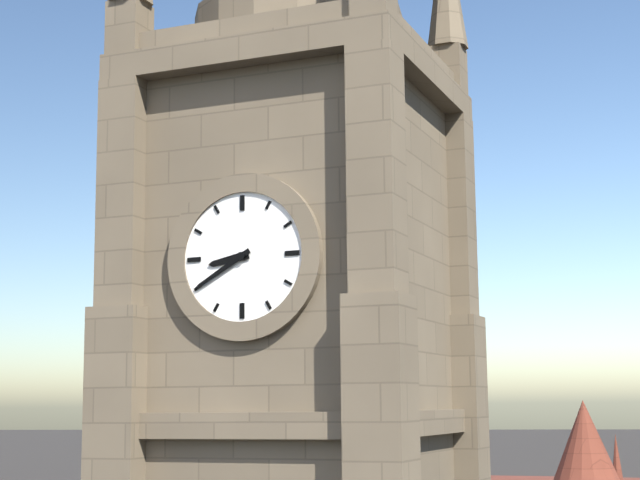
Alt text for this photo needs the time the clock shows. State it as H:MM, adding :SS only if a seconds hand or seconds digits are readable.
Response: 8:40
